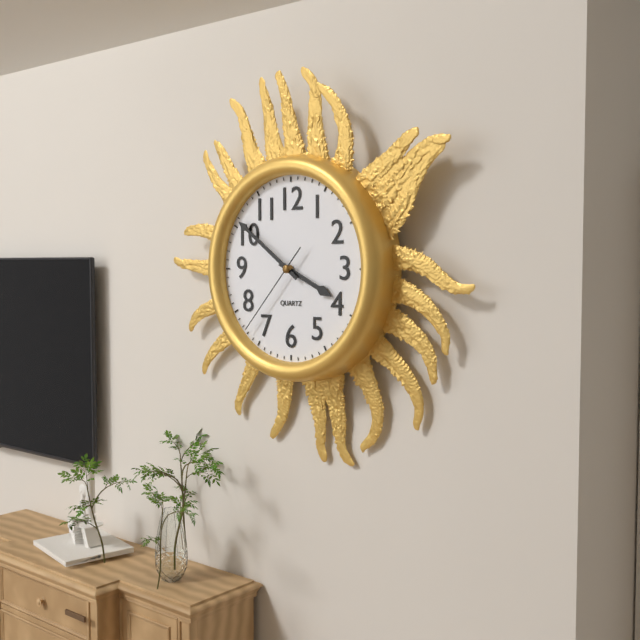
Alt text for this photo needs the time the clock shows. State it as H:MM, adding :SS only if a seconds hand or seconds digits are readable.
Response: 3:51:37
